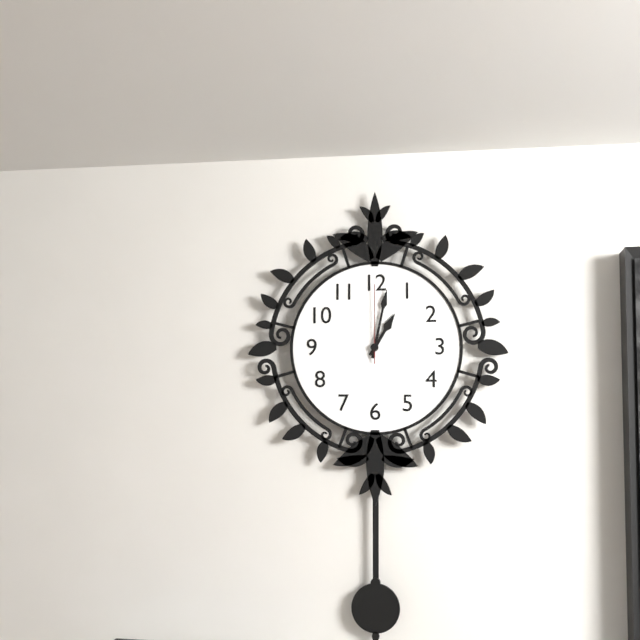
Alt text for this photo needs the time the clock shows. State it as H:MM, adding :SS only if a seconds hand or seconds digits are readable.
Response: 1:02:00
